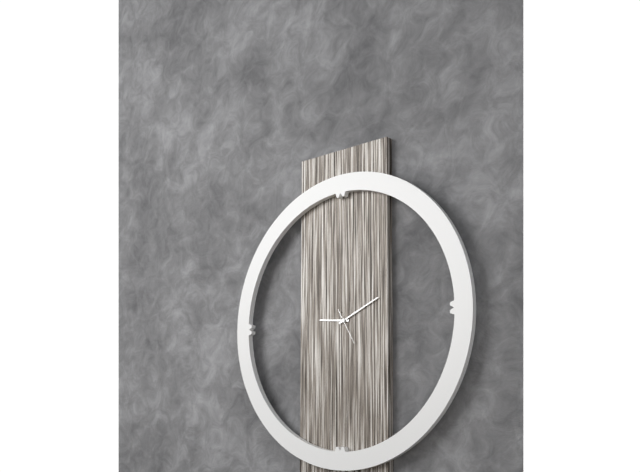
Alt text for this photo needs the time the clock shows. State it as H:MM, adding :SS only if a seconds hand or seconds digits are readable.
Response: 9:11
